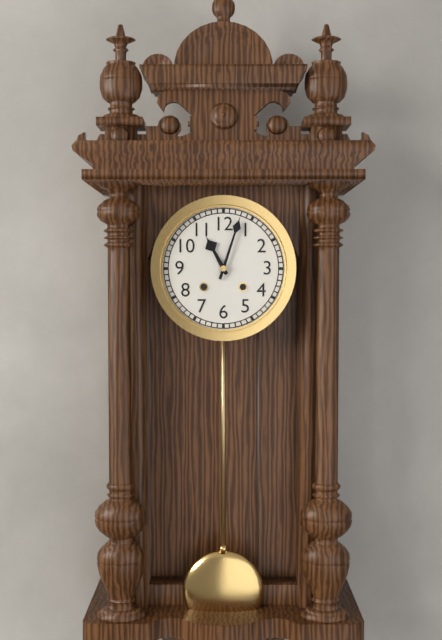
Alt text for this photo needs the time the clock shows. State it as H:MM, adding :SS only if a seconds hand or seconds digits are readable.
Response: 11:03
